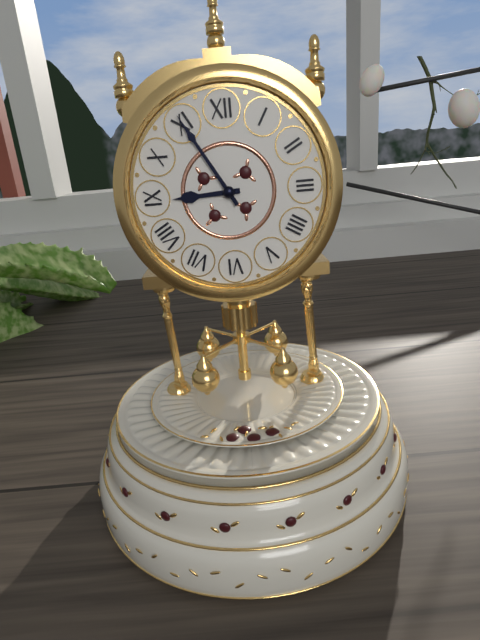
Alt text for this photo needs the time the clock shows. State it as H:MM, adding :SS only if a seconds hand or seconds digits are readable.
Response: 8:55
